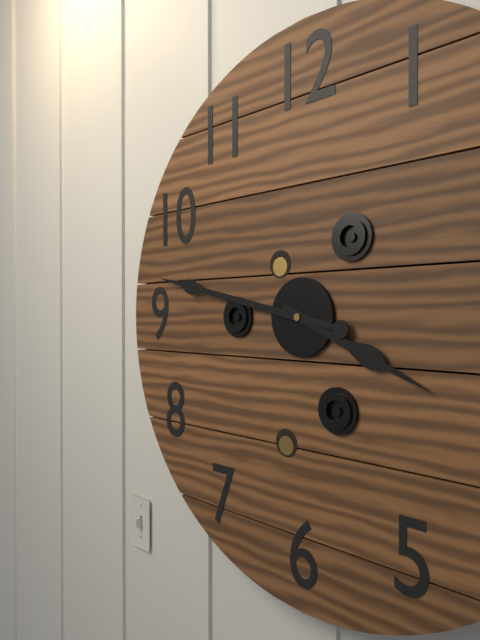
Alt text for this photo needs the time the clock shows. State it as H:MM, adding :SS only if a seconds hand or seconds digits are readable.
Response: 3:47
